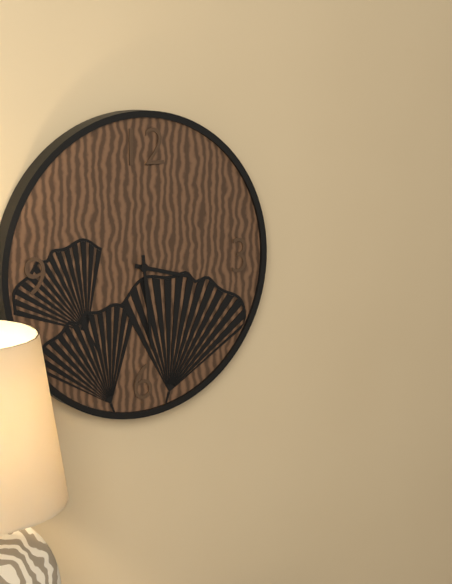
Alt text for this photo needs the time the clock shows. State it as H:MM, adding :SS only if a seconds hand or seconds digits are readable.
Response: 3:29
